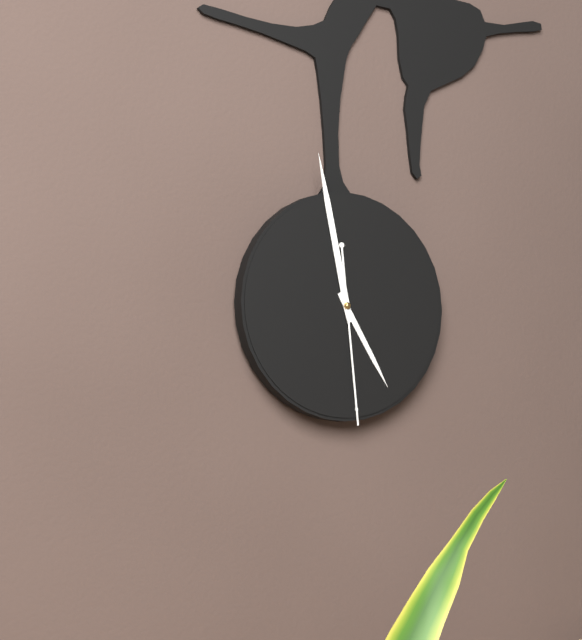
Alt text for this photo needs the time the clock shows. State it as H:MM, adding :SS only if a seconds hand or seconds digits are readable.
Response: 4:58:29
